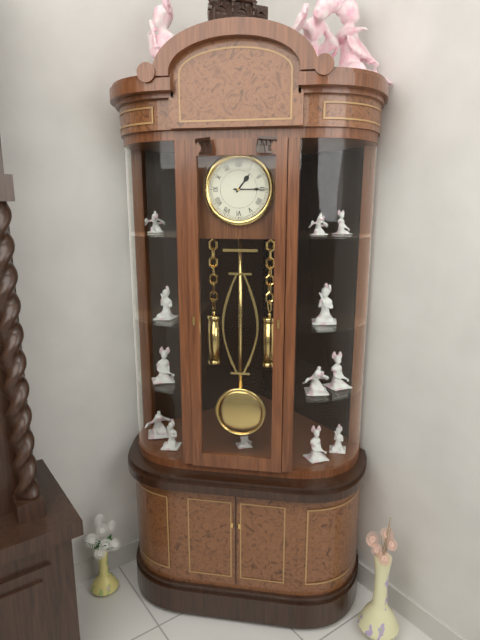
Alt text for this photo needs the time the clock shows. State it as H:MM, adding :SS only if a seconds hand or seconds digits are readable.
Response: 1:15
